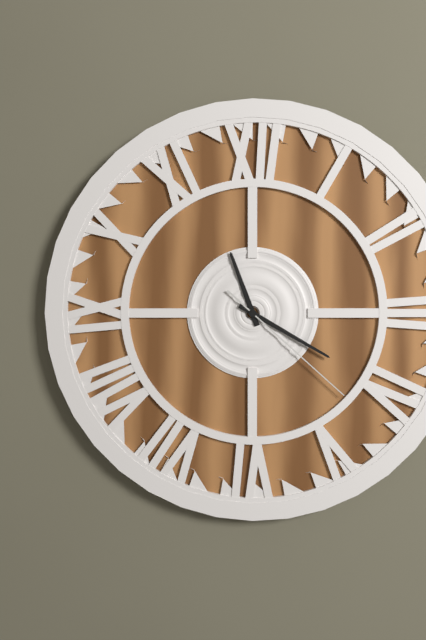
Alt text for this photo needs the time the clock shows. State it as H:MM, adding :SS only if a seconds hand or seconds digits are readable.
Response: 11:20:22
